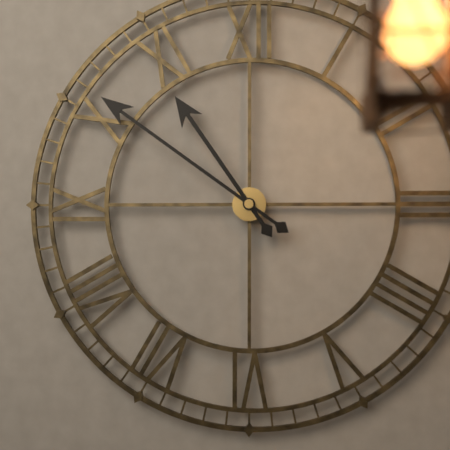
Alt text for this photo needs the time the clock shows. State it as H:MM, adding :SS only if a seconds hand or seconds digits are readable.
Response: 10:51
